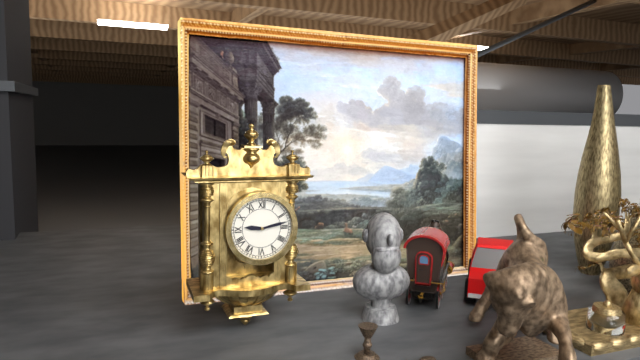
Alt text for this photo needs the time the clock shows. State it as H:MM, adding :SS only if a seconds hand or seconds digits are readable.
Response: 9:13
